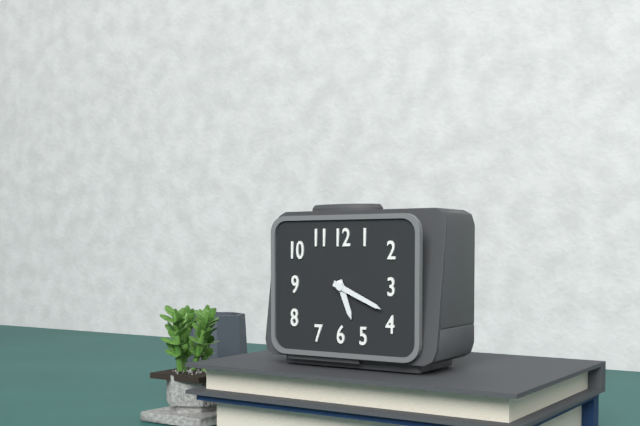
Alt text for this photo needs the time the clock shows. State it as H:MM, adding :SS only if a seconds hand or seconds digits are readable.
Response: 5:19
